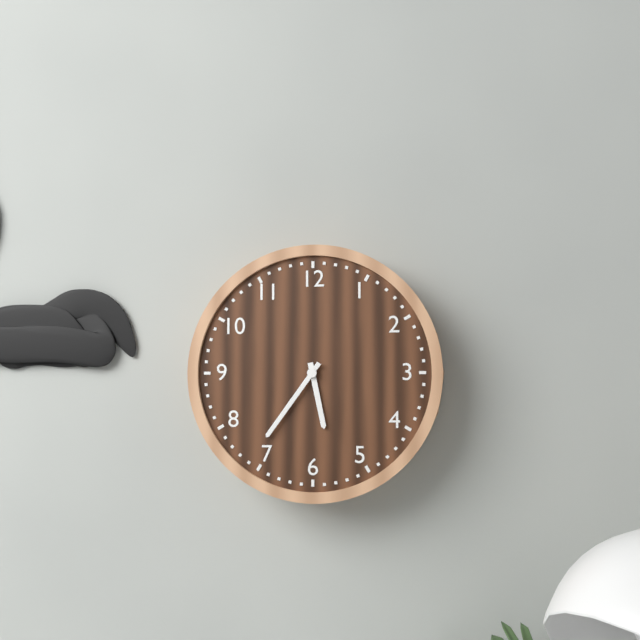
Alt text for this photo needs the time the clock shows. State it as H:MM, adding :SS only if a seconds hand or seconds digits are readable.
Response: 5:36
